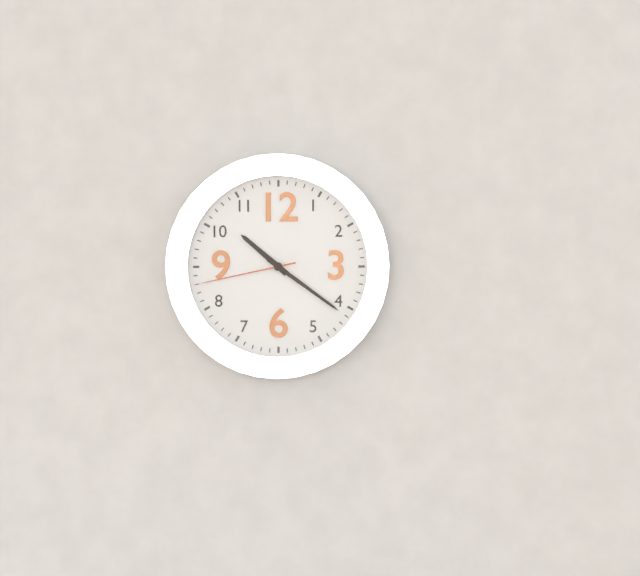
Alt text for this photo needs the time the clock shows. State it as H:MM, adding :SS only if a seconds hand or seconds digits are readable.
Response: 10:21:43
